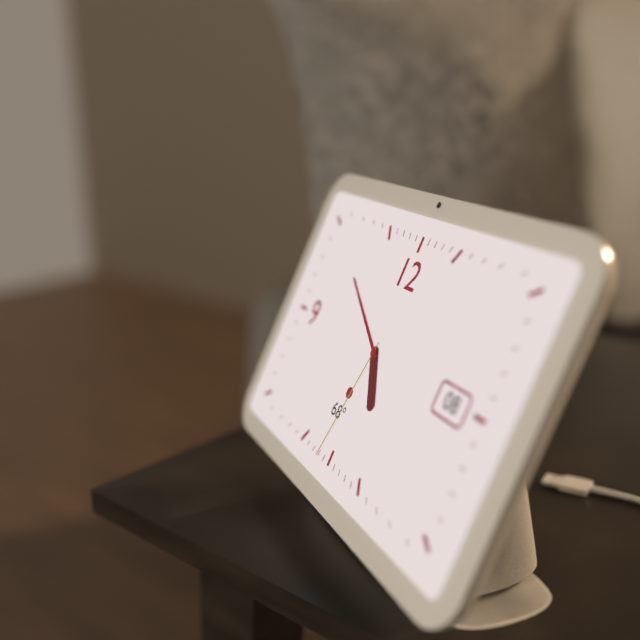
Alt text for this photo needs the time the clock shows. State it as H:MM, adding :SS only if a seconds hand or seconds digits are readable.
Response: 4:50:32
